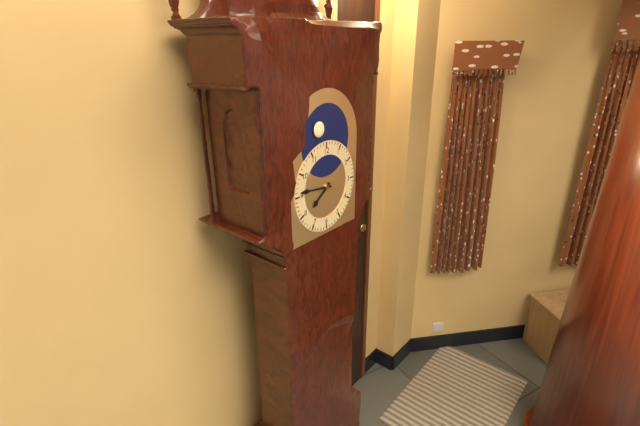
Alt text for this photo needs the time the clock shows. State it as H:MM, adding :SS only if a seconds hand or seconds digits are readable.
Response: 7:46
